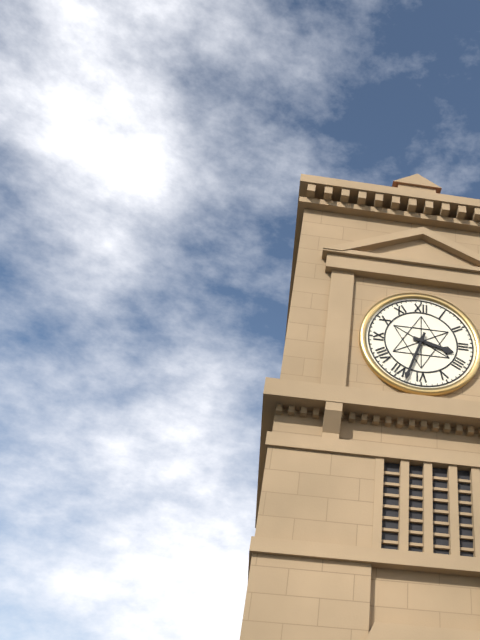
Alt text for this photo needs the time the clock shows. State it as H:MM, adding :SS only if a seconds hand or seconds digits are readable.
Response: 3:33
